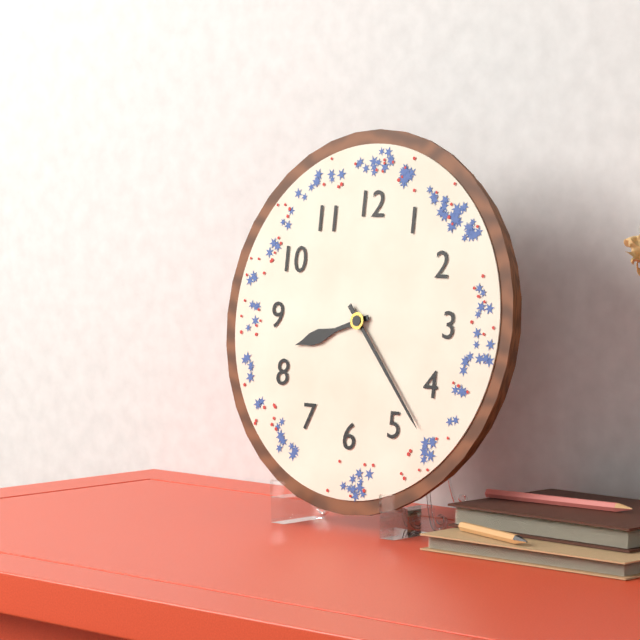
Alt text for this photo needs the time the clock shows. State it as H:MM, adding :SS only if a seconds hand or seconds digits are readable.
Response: 8:23
